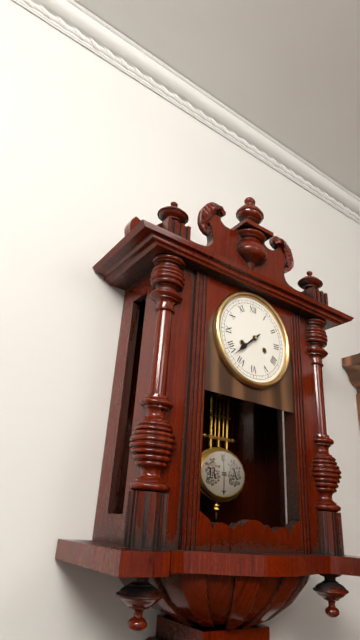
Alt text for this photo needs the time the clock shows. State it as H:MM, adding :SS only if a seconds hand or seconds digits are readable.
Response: 7:38
